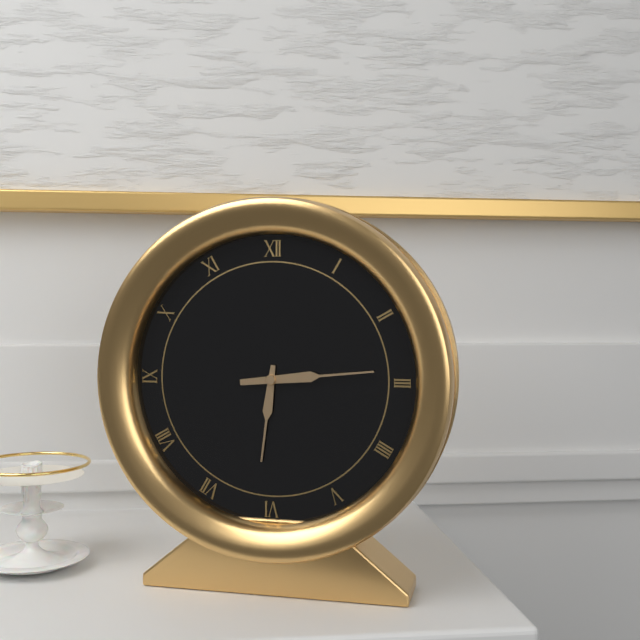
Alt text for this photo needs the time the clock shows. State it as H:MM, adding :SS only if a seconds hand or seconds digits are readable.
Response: 6:14
